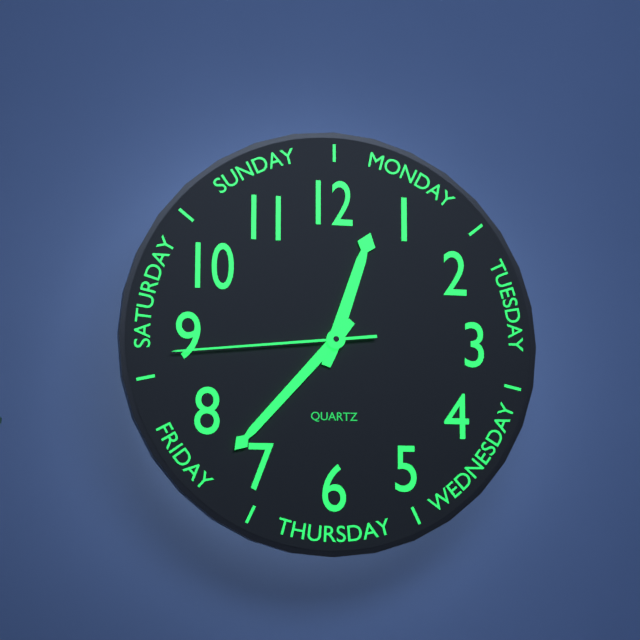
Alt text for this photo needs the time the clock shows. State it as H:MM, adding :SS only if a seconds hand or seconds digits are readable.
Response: 12:37:44
